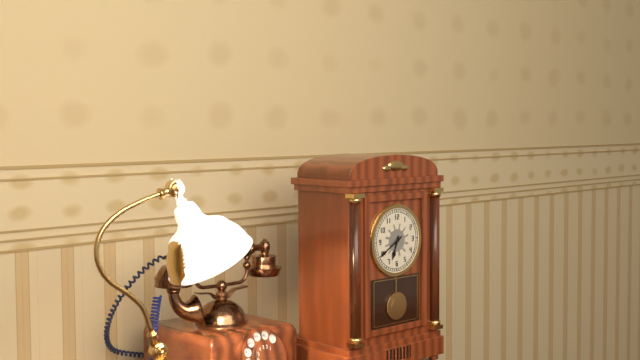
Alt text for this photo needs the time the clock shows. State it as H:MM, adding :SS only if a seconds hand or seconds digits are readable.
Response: 6:40
